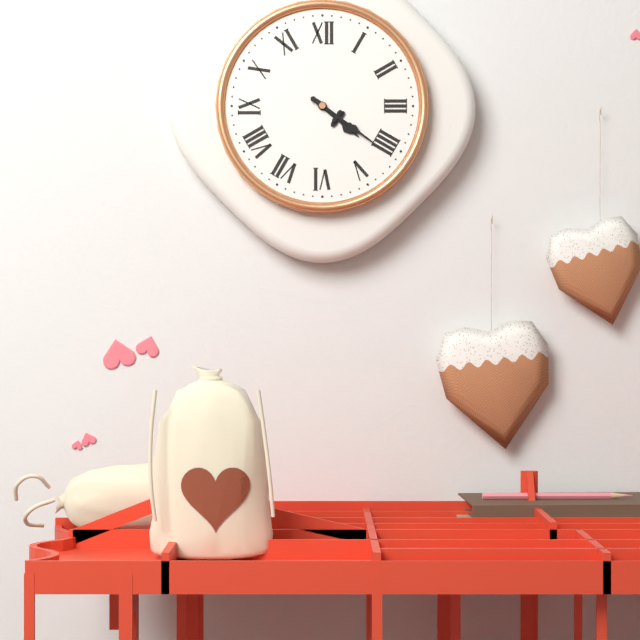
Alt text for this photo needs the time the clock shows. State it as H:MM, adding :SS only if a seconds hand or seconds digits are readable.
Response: 4:21
